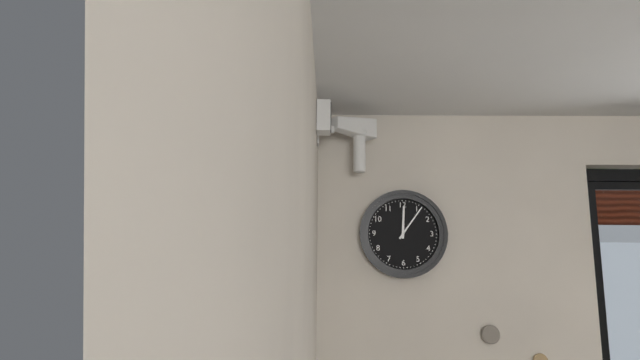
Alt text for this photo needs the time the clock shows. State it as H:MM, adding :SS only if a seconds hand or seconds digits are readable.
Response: 12:06
